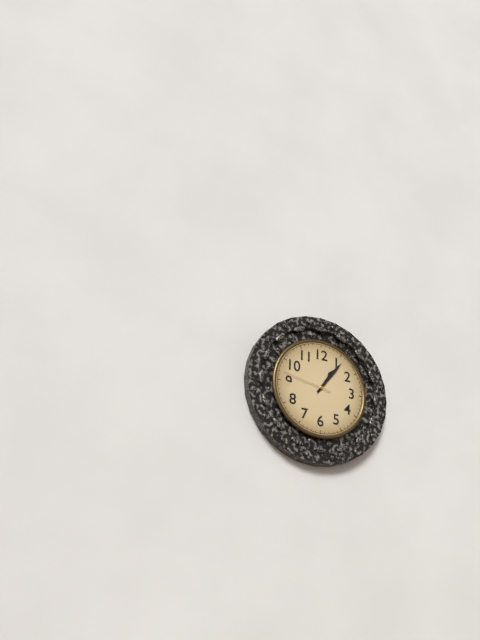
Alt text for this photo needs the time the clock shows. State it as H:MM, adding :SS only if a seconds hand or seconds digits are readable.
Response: 1:06:47
